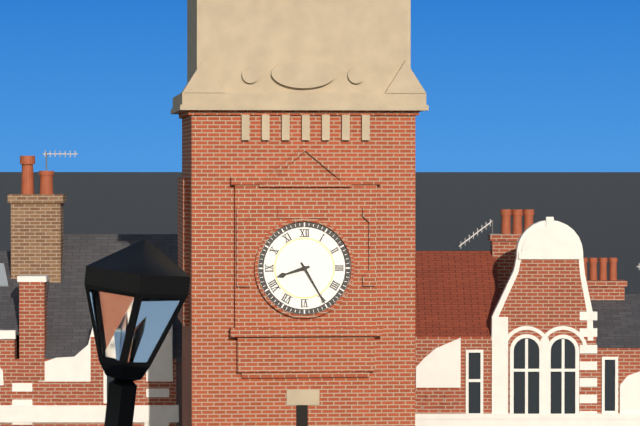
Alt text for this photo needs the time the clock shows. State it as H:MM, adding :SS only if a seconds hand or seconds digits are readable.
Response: 8:25
